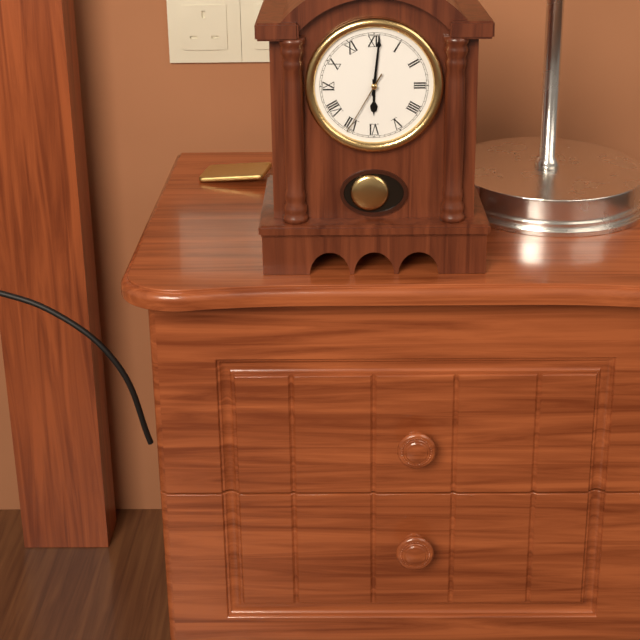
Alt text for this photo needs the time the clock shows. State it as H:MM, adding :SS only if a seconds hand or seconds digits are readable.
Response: 6:01:35
